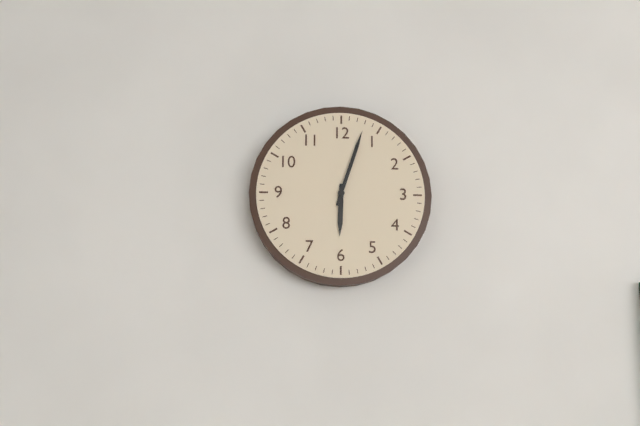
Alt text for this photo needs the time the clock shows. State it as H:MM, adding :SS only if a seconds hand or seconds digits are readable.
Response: 6:03
